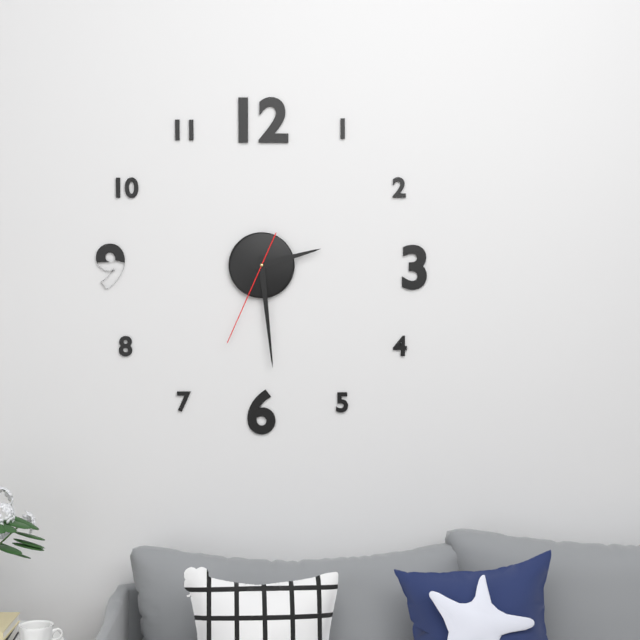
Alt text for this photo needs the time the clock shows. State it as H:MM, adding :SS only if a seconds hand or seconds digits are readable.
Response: 2:29:34
